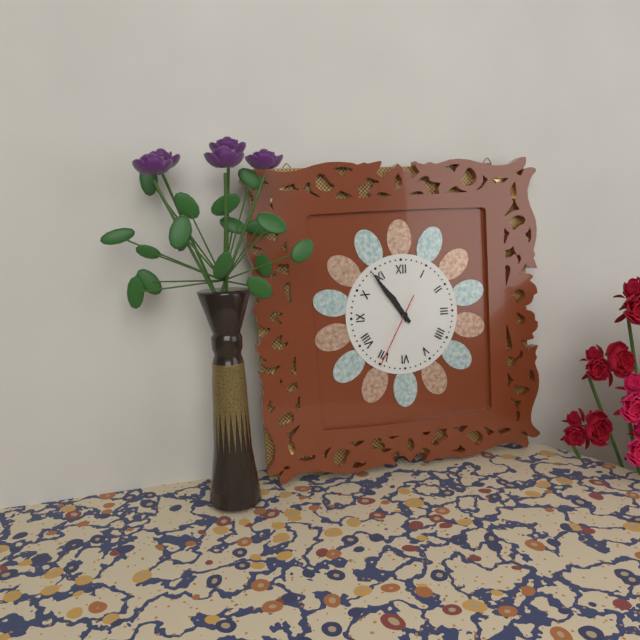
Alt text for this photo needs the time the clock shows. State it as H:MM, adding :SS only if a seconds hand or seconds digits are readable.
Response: 10:54:35
